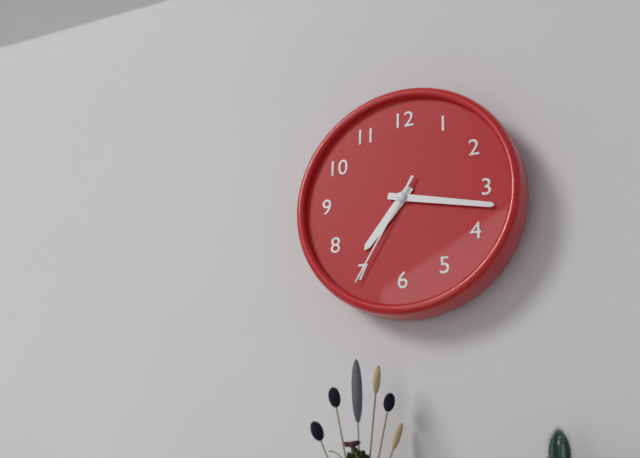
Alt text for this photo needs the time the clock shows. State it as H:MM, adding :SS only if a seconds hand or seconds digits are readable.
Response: 7:17:35
